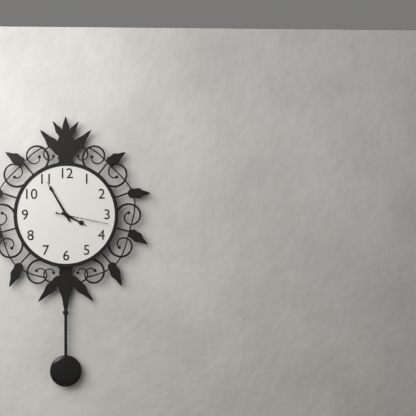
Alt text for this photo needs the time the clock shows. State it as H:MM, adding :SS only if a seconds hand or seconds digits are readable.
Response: 3:55:17
